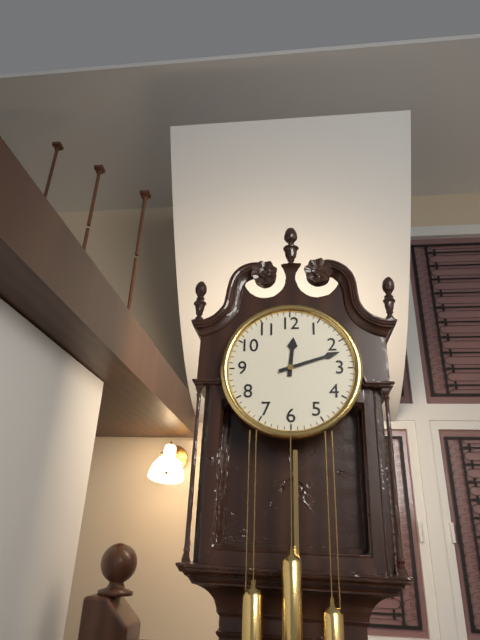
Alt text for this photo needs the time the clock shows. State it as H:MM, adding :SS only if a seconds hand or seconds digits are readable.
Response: 12:12
